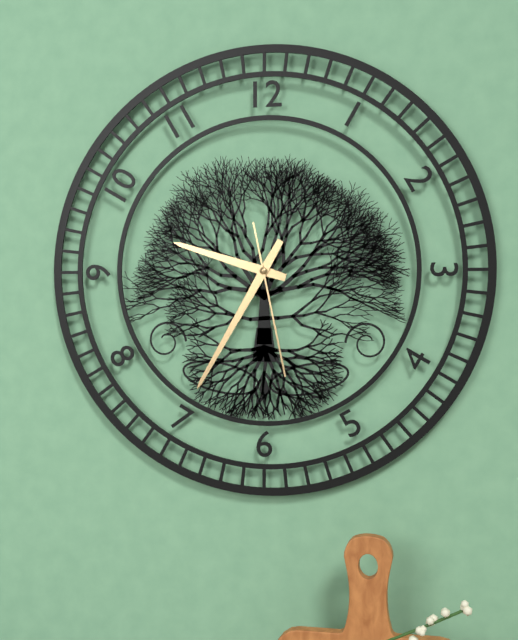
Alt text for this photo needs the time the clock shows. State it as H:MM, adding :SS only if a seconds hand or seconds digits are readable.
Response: 9:35:28
